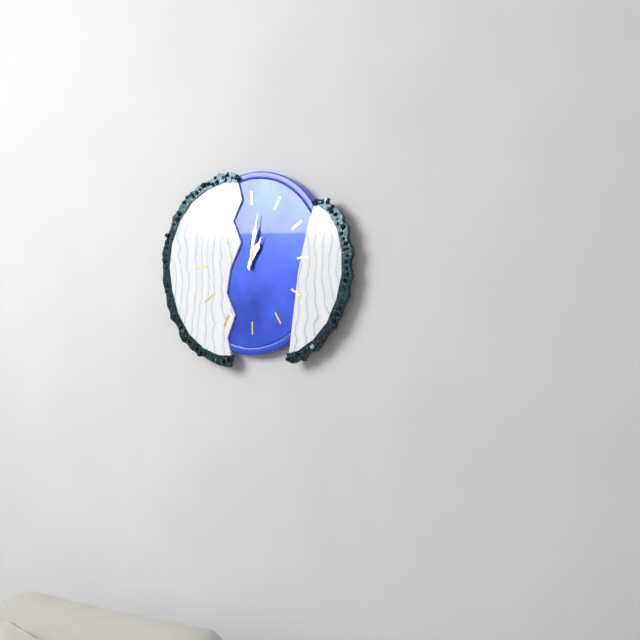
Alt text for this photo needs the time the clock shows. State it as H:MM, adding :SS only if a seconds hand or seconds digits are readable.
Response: 1:02
